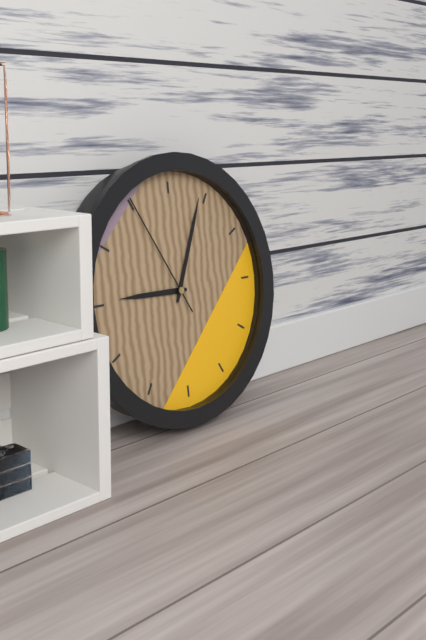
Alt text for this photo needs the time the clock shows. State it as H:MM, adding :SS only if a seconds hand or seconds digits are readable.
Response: 9:04:55
